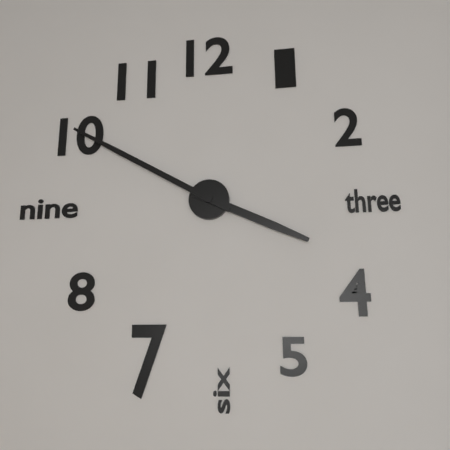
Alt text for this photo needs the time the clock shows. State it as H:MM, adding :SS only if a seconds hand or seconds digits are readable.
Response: 3:50
